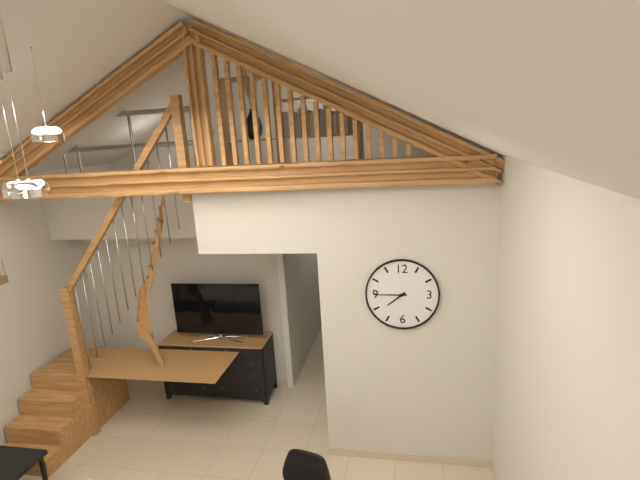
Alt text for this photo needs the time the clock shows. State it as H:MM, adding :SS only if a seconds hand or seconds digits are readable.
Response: 7:45
